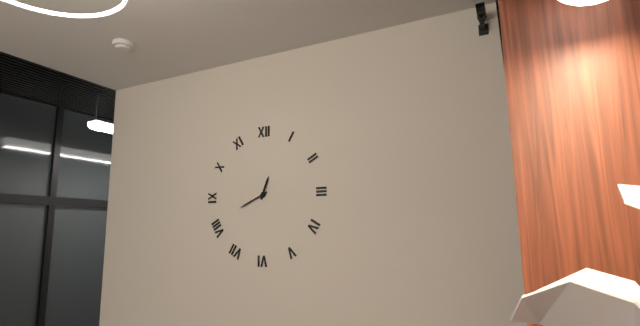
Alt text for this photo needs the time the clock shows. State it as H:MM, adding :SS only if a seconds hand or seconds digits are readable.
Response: 12:41
